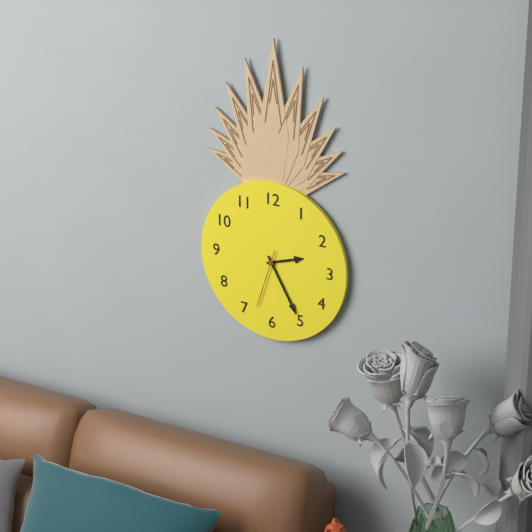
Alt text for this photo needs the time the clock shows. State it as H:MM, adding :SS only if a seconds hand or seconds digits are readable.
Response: 2:25:33
